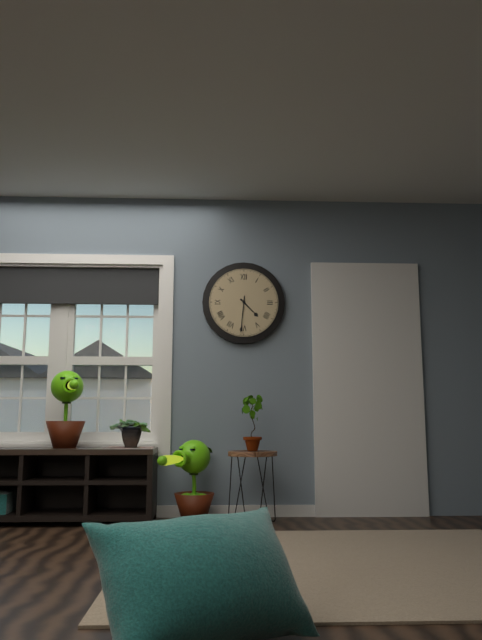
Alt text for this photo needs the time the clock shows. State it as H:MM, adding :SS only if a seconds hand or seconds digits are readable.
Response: 4:31
